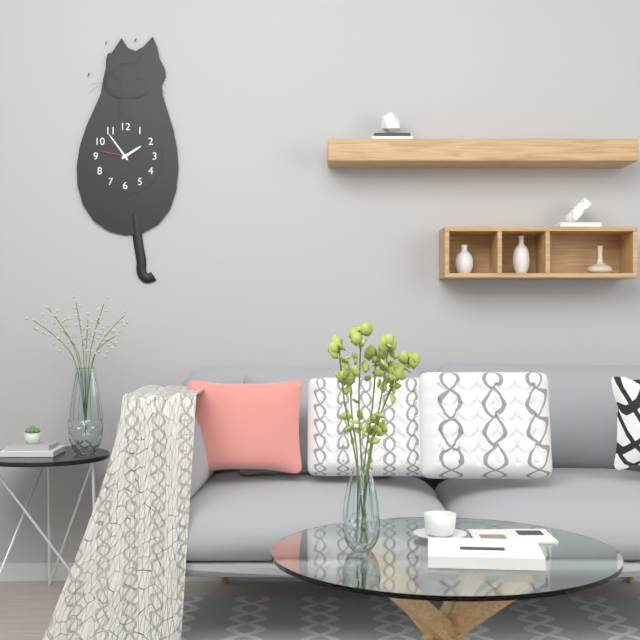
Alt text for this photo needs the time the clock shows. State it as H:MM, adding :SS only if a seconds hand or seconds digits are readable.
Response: 1:54
